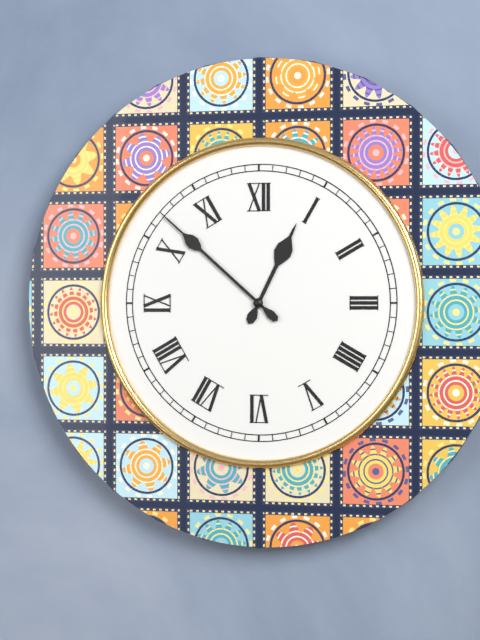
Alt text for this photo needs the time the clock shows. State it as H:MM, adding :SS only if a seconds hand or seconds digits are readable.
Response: 12:52
